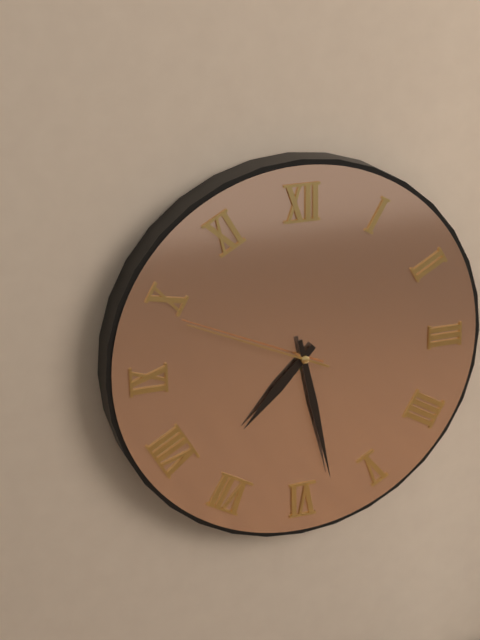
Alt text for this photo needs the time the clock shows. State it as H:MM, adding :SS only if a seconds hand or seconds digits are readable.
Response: 7:28:49
